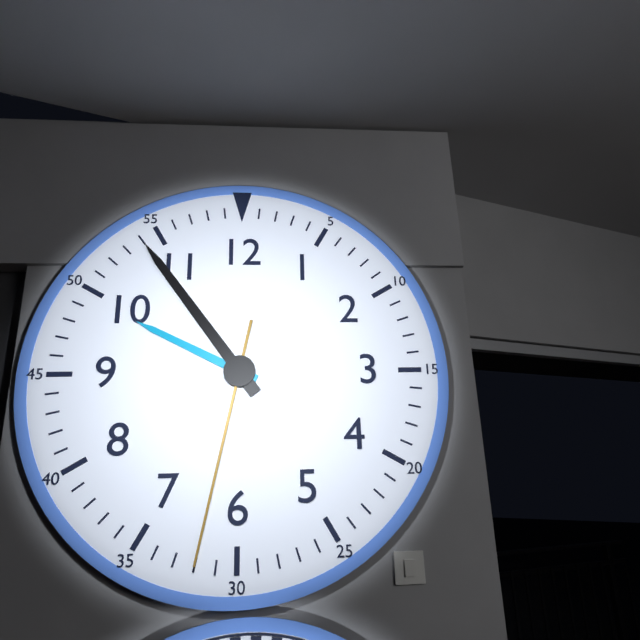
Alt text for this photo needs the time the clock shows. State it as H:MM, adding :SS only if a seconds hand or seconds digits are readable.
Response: 9:54:32
